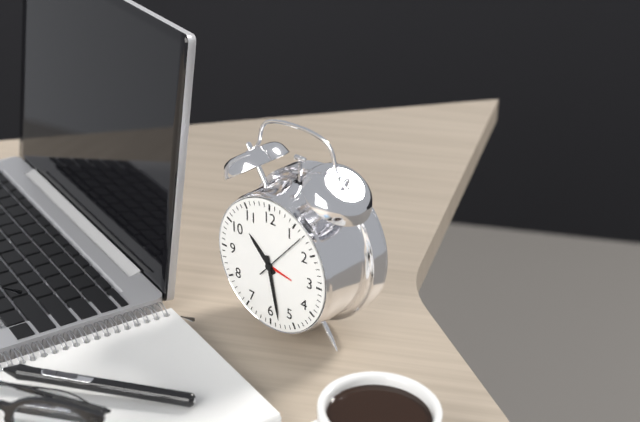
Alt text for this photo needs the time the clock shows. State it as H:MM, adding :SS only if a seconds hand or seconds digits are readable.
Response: 10:28
